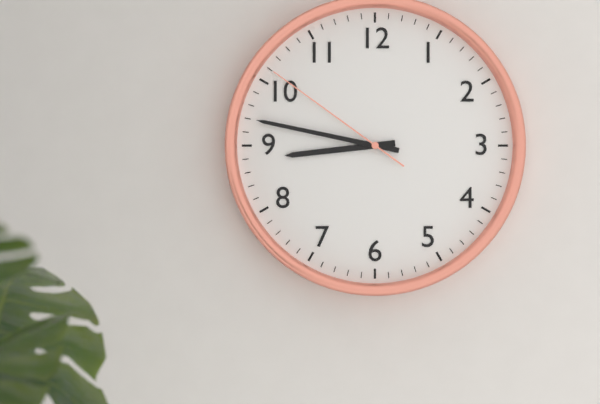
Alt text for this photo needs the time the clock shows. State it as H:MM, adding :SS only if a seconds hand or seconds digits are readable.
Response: 8:47:51
